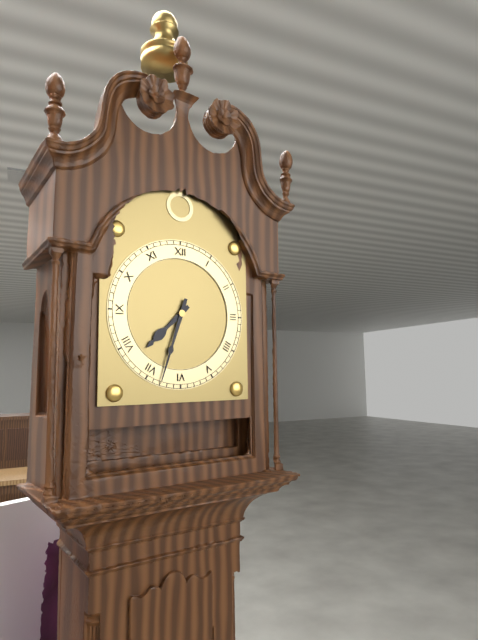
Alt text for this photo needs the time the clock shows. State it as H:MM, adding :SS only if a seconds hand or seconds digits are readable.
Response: 7:33
